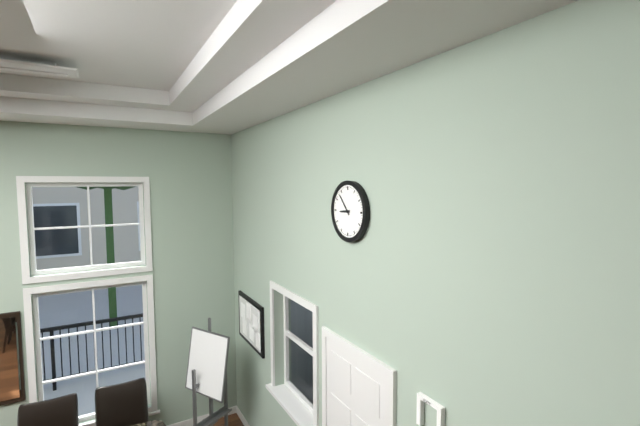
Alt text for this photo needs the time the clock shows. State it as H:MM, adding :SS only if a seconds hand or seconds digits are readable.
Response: 8:53
